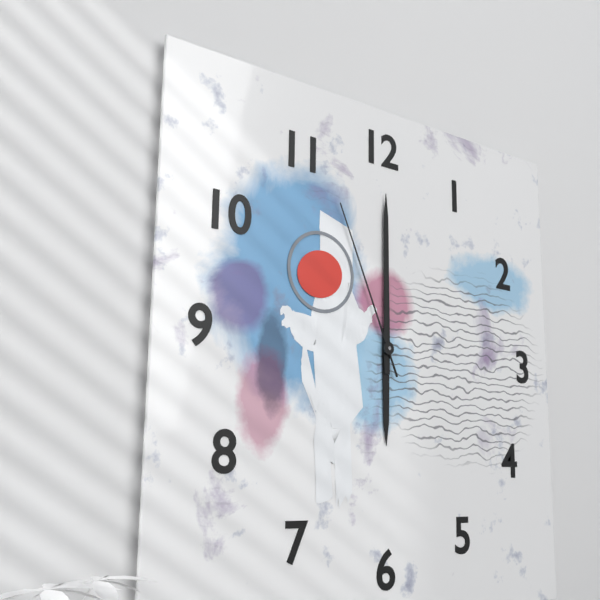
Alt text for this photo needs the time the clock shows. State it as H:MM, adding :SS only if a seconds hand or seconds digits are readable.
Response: 6:00:56
